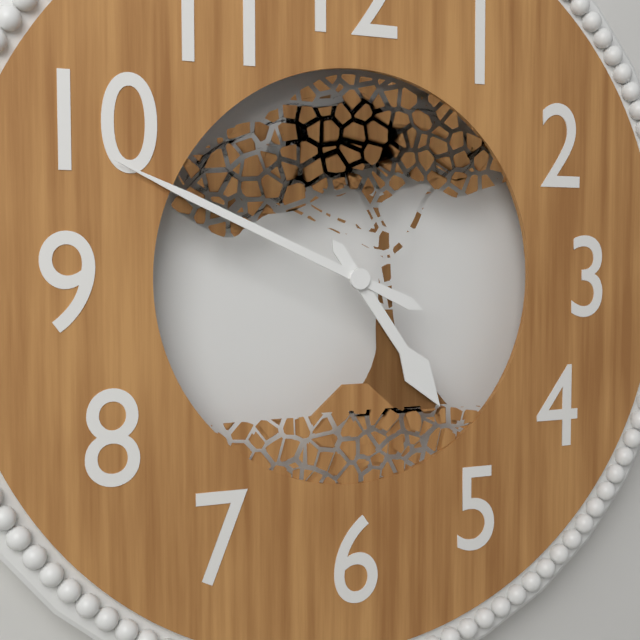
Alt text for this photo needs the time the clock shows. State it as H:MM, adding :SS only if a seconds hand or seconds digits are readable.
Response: 4:49
